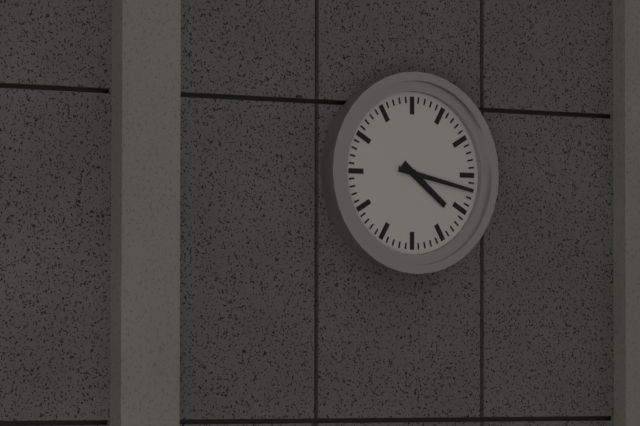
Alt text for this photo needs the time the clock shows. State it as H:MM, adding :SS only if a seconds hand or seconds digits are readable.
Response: 4:17
